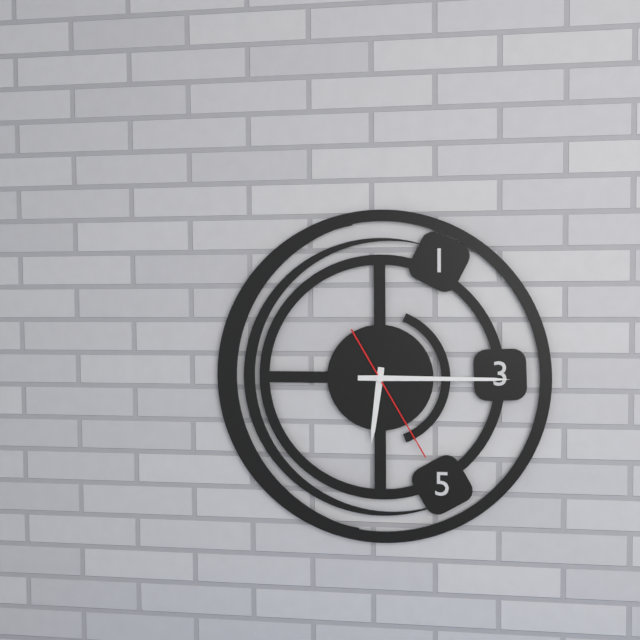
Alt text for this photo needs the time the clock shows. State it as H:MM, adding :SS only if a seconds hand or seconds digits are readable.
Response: 6:15:25
